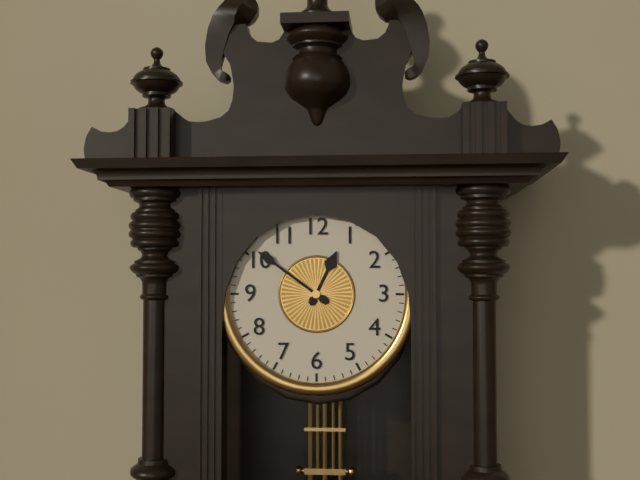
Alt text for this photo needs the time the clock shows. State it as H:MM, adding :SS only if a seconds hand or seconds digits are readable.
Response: 12:51
